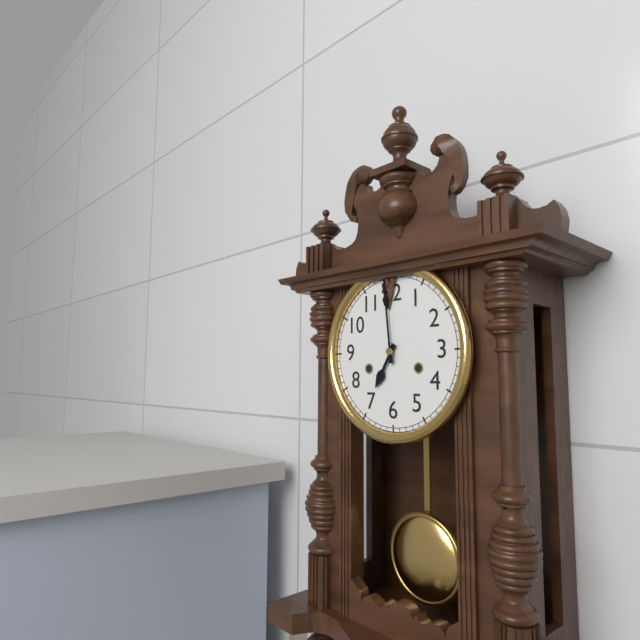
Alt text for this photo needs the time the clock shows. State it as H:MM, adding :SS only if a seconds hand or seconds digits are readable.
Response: 6:59
